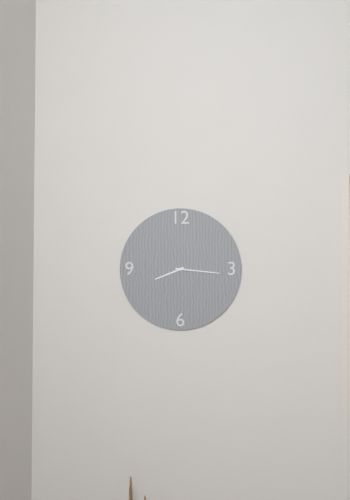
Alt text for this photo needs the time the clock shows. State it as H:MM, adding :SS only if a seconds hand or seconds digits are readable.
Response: 8:16
